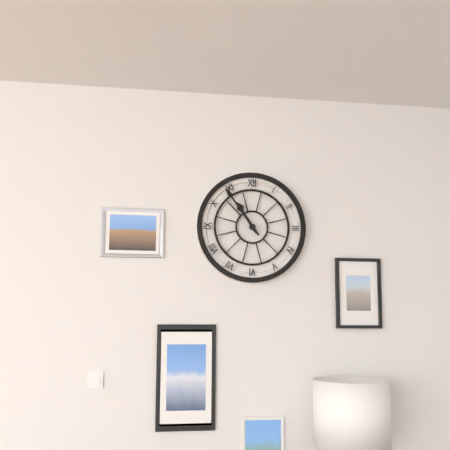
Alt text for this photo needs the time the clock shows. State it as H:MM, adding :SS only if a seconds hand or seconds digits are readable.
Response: 10:54
